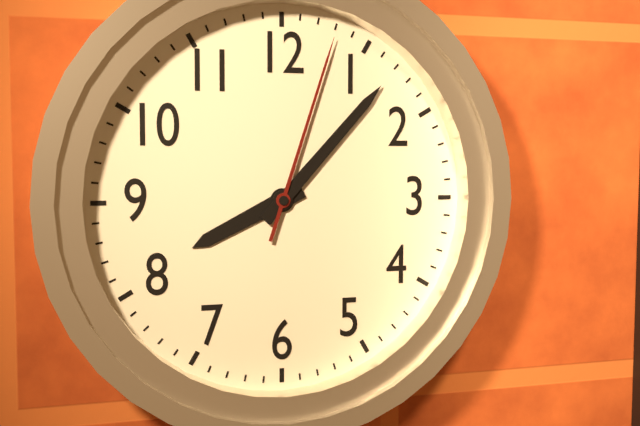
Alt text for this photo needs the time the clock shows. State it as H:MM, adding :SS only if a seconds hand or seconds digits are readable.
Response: 8:07:03
